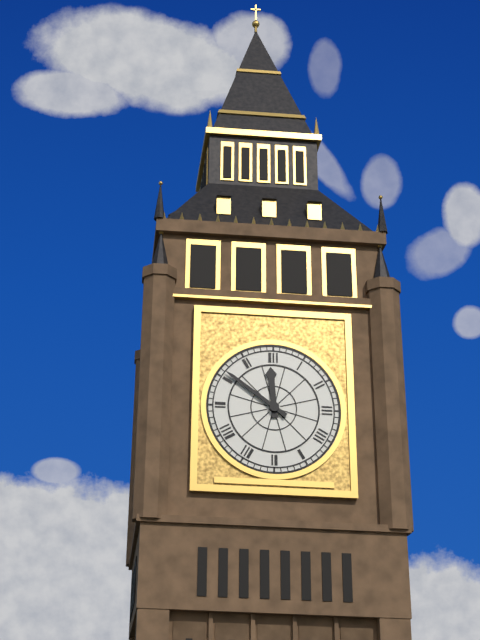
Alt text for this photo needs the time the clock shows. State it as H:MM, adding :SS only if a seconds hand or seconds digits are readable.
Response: 11:51
